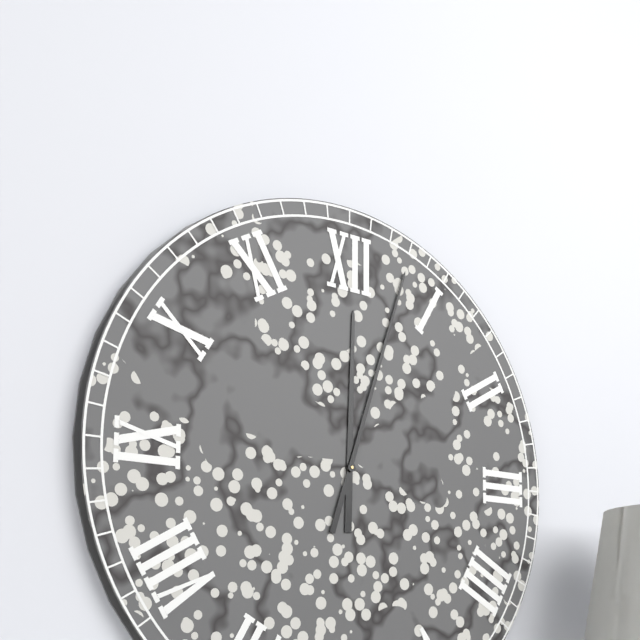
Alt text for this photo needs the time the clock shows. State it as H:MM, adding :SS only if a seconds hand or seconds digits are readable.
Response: 12:03
